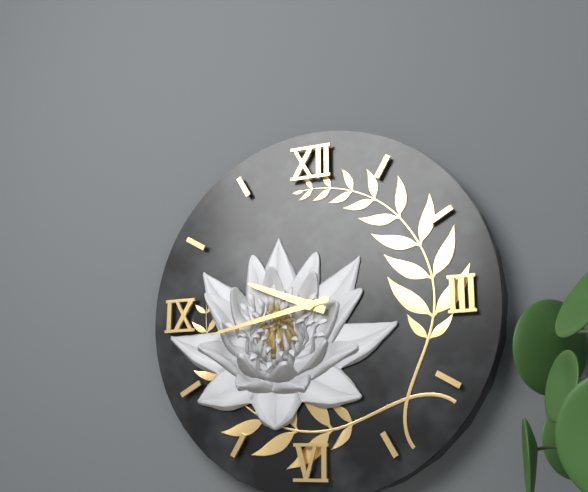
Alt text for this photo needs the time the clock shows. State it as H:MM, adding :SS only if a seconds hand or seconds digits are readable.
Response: 9:43
